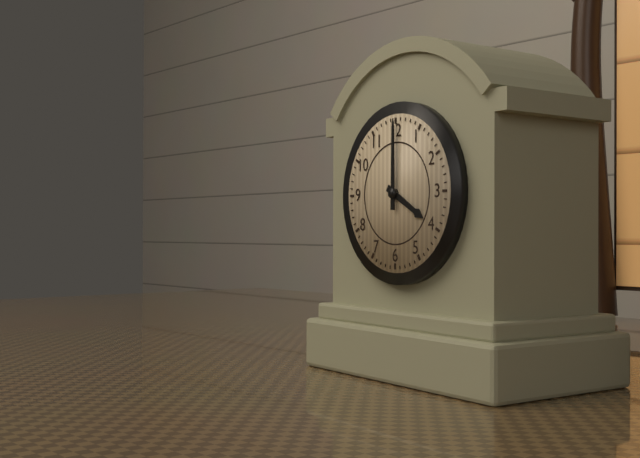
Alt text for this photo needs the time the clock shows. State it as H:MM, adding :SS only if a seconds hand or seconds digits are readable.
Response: 4:00
